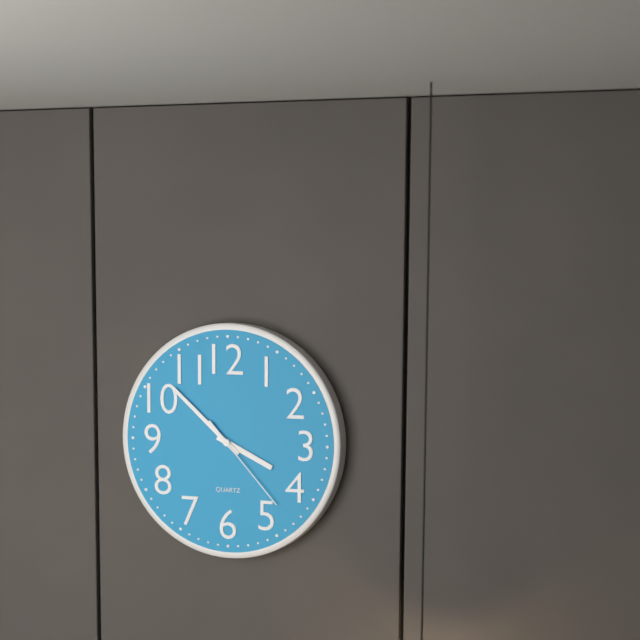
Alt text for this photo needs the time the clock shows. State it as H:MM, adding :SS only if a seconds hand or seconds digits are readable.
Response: 3:52:23
